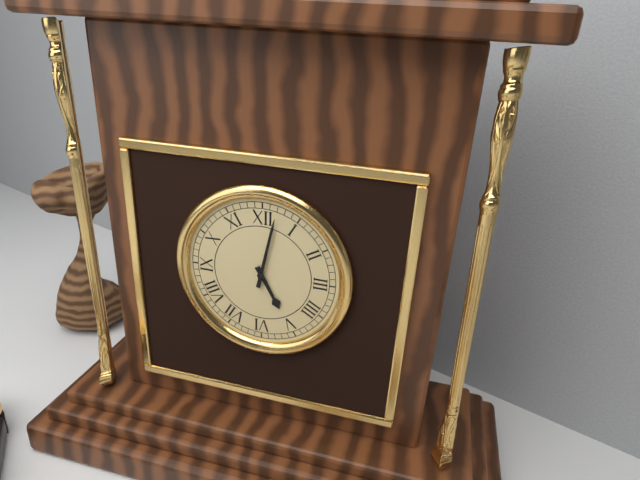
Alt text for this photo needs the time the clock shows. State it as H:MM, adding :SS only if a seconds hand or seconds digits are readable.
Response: 5:02
